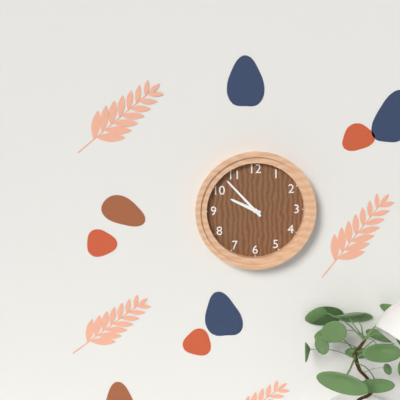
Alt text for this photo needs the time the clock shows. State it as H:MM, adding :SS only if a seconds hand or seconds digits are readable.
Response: 9:53
